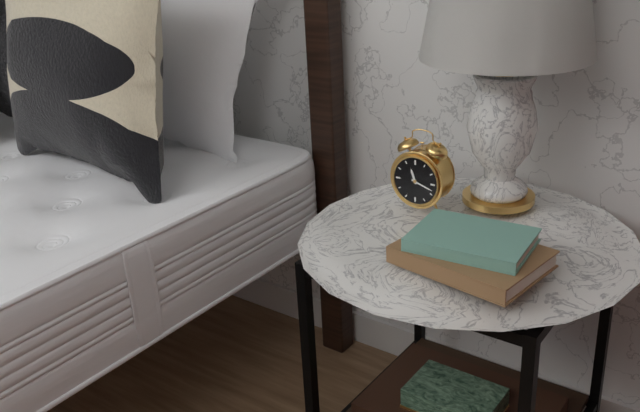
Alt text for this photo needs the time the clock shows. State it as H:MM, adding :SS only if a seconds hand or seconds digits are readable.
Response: 11:18
